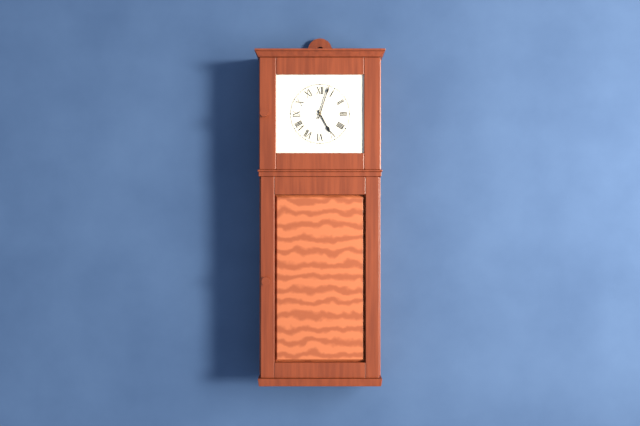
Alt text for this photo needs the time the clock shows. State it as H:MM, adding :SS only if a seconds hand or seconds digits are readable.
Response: 5:03
